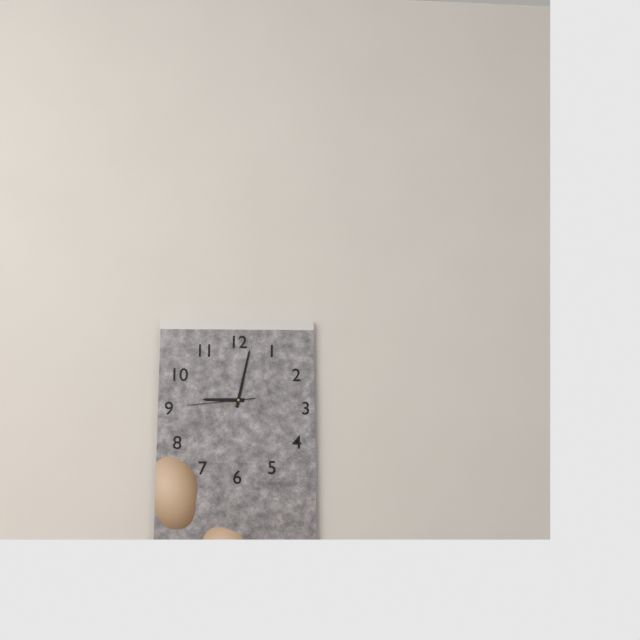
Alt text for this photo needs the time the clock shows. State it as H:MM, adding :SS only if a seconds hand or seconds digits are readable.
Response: 9:02:44
